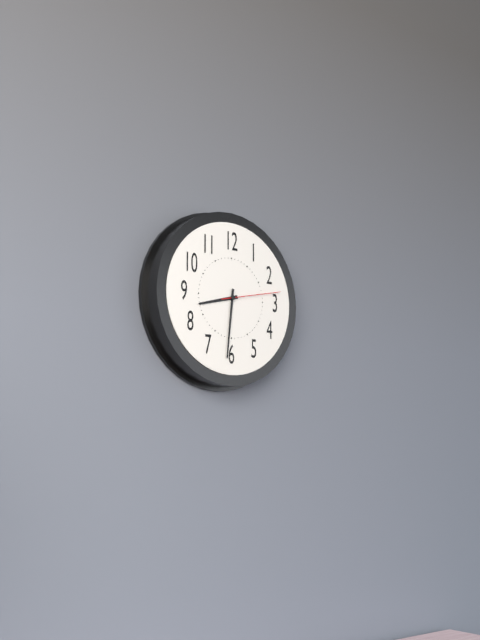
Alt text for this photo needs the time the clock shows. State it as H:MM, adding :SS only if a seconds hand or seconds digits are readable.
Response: 8:31:13
